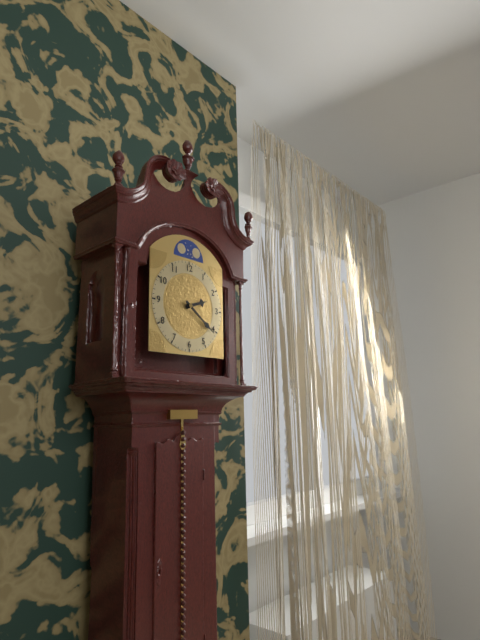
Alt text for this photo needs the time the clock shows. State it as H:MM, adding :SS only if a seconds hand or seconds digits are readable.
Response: 2:21
